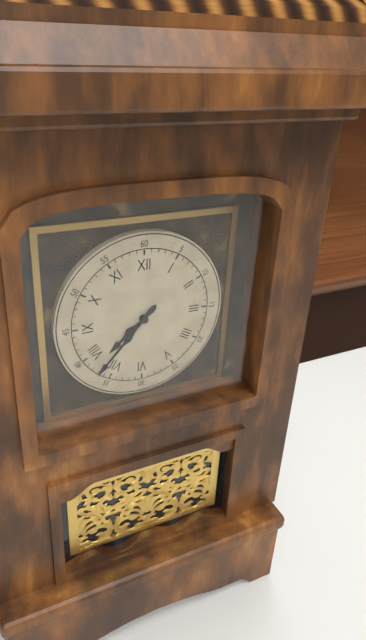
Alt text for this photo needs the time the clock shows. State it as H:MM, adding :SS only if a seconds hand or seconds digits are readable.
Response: 7:37
